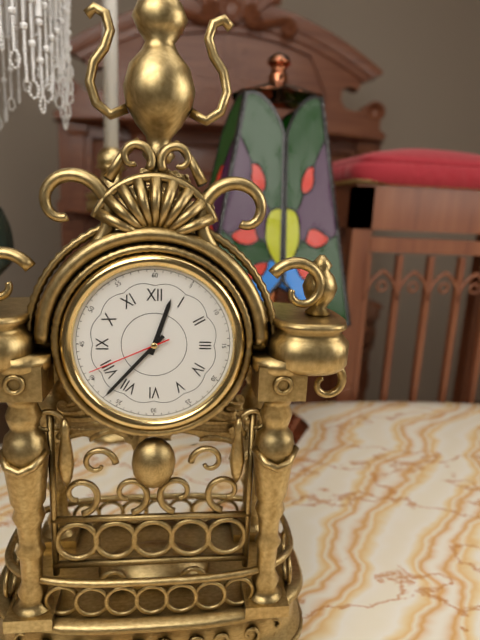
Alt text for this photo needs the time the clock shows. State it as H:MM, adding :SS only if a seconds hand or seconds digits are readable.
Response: 12:37:41
